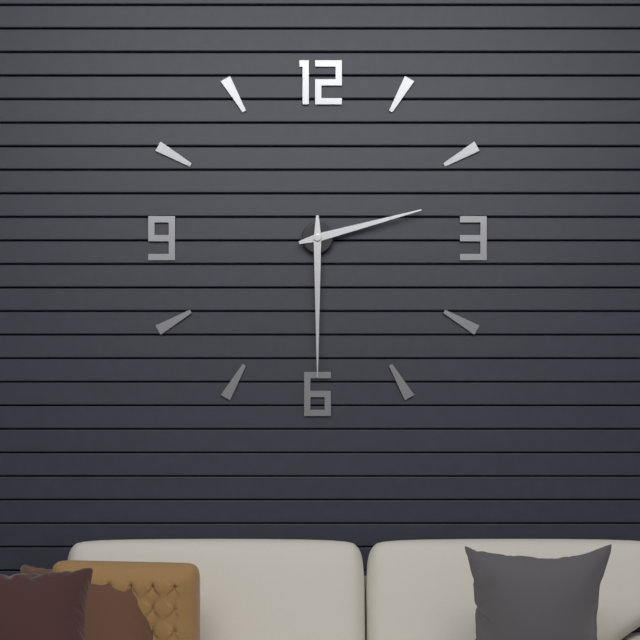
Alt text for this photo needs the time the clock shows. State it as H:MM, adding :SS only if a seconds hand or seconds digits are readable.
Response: 2:30
